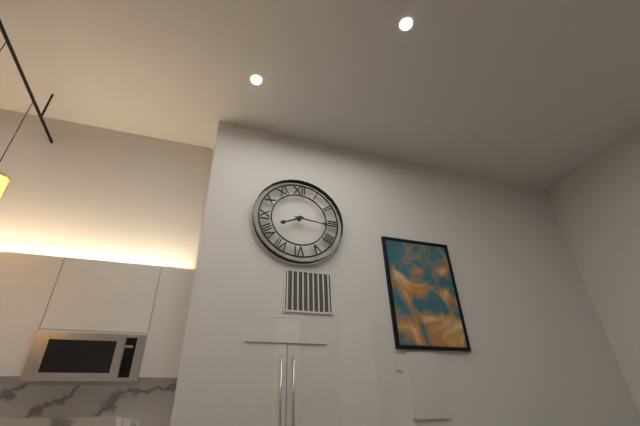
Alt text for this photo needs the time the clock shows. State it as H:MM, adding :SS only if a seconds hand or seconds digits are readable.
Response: 8:16
